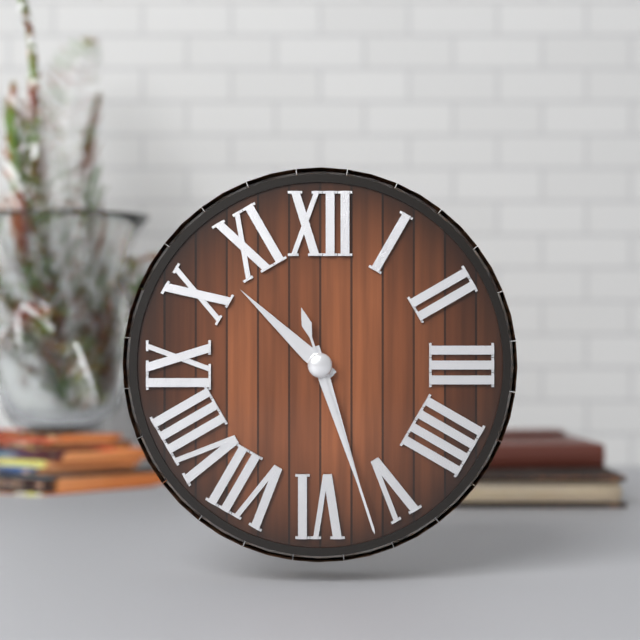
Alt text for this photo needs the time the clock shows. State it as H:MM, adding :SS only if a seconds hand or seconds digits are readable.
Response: 10:27:27
